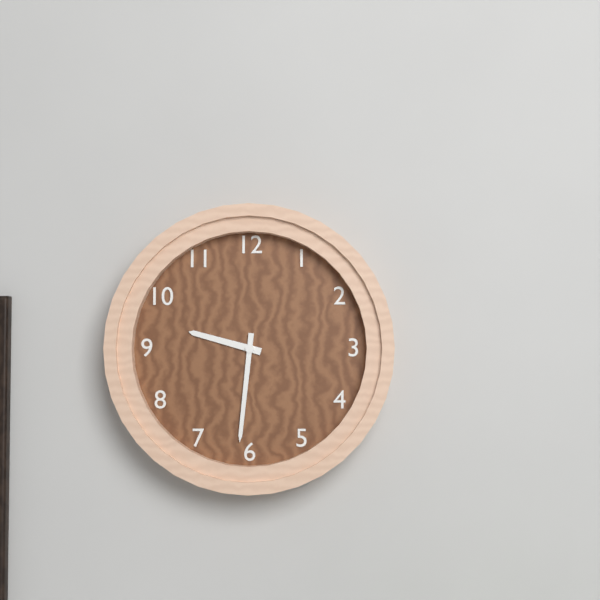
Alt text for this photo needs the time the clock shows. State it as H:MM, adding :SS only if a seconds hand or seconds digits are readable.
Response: 9:31
